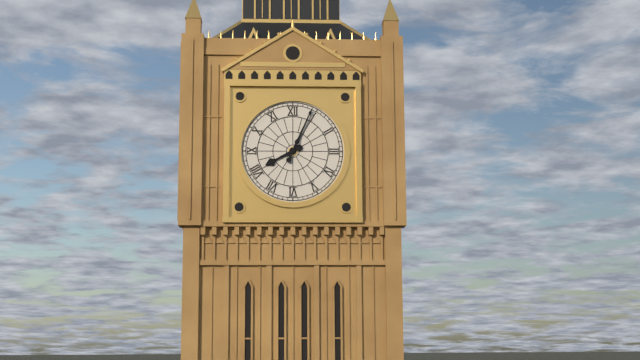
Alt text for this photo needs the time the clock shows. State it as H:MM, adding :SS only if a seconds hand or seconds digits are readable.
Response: 8:04
